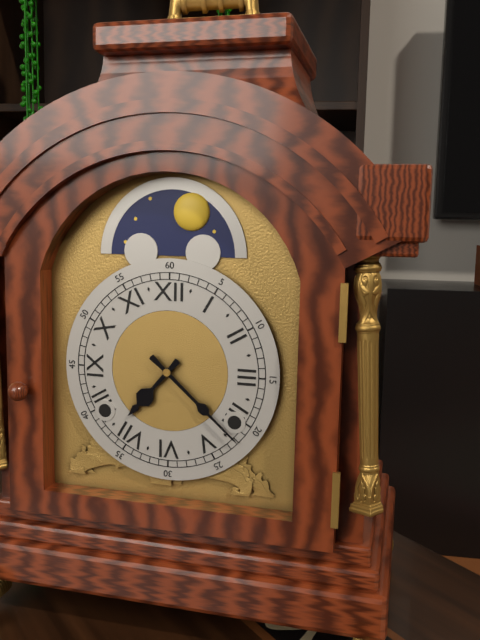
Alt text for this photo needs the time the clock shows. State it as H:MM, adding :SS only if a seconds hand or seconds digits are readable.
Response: 7:22
